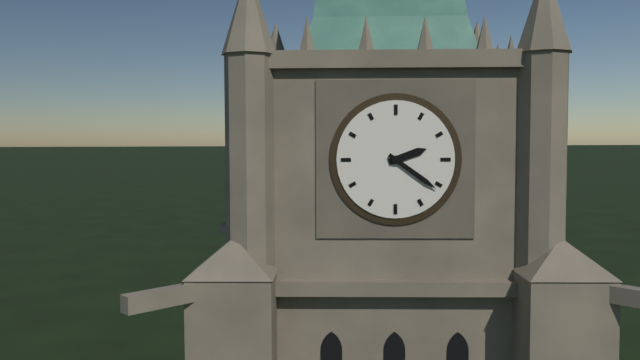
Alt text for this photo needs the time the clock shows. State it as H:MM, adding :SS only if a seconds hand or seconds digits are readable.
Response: 2:21
